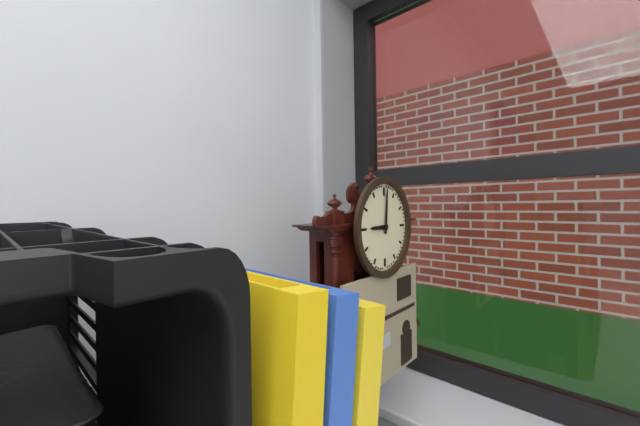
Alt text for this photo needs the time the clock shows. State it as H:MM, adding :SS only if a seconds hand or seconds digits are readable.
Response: 9:01
